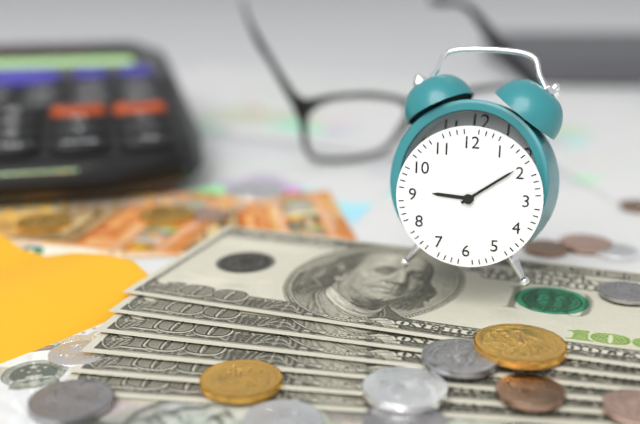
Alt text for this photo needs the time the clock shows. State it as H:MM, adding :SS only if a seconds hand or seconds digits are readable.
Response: 9:09
